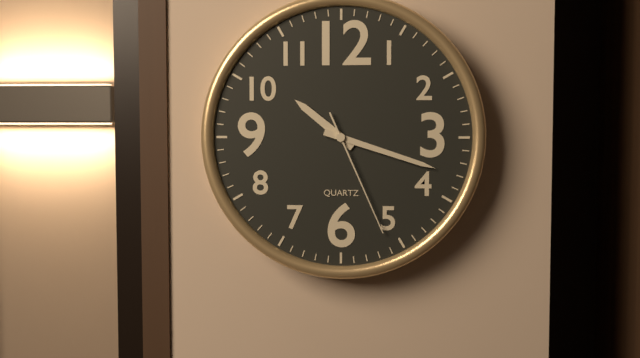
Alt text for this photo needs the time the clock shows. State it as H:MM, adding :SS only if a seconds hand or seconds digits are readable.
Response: 10:18:26
